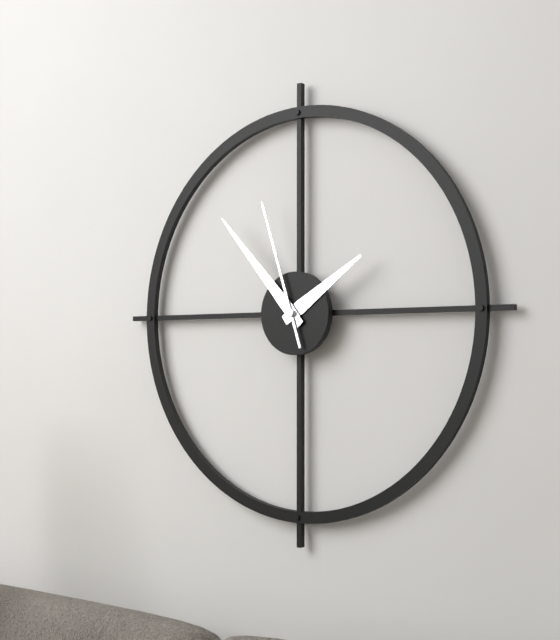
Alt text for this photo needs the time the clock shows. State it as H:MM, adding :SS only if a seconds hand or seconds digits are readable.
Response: 1:53:57
